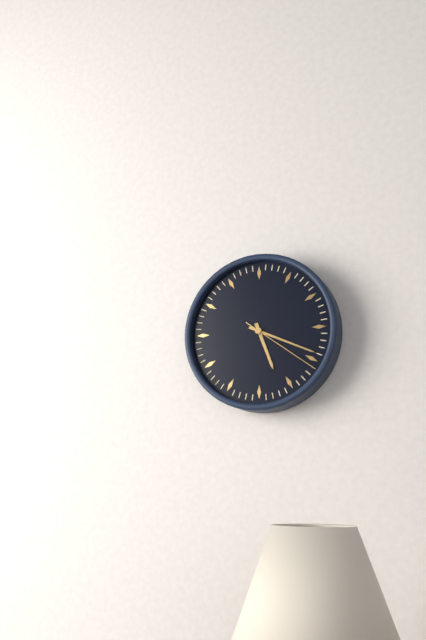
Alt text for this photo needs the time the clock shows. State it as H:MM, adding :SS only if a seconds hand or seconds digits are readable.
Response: 5:19:21
